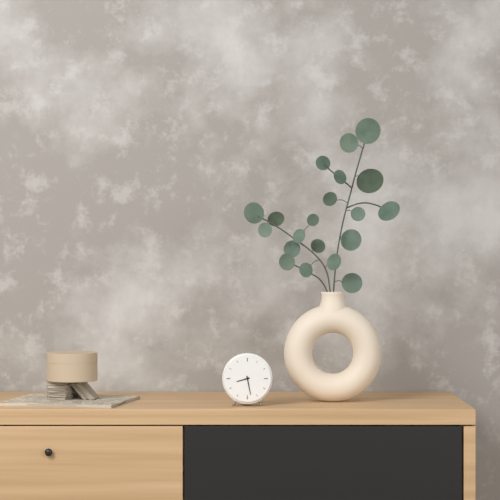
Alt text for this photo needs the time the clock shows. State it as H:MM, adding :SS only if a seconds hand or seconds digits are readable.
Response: 8:28
